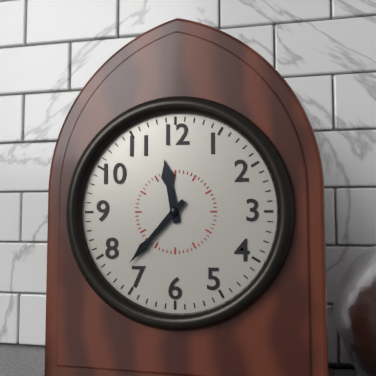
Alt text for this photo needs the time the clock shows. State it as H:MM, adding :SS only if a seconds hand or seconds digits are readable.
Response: 11:37
